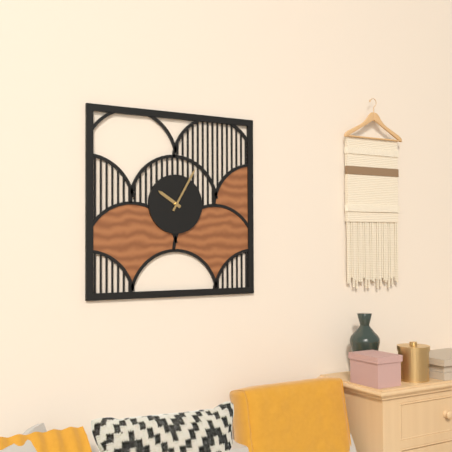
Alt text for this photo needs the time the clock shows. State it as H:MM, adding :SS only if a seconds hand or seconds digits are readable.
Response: 10:05
